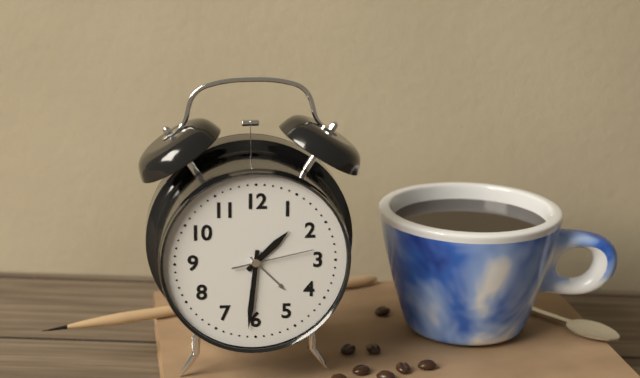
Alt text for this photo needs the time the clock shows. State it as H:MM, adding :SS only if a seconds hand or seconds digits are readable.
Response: 1:31:13
